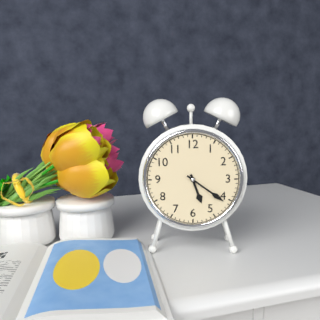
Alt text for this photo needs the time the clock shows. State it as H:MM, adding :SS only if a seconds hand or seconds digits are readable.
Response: 5:21
